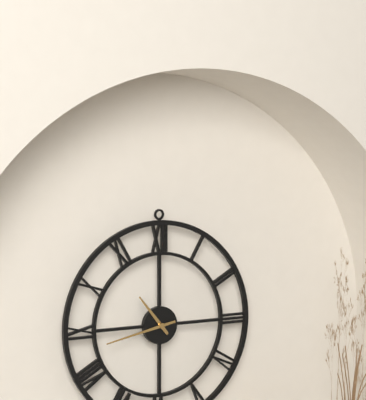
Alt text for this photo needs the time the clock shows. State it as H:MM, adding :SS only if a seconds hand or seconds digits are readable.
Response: 10:43
